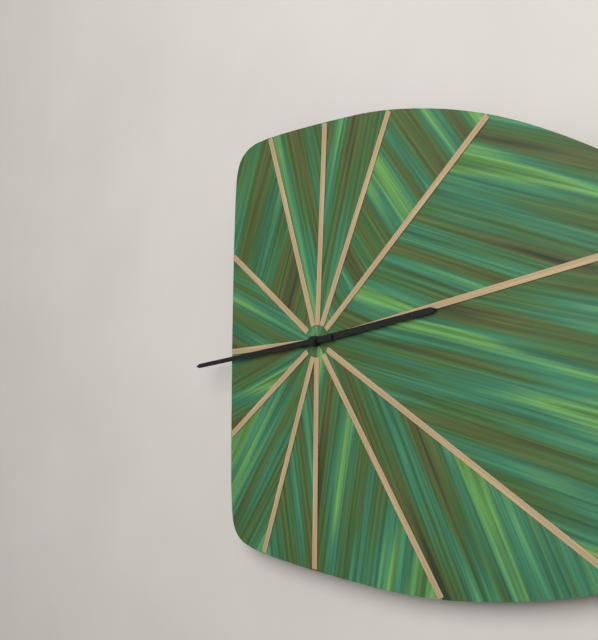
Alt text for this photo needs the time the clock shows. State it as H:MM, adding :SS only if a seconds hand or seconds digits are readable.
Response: 2:44
